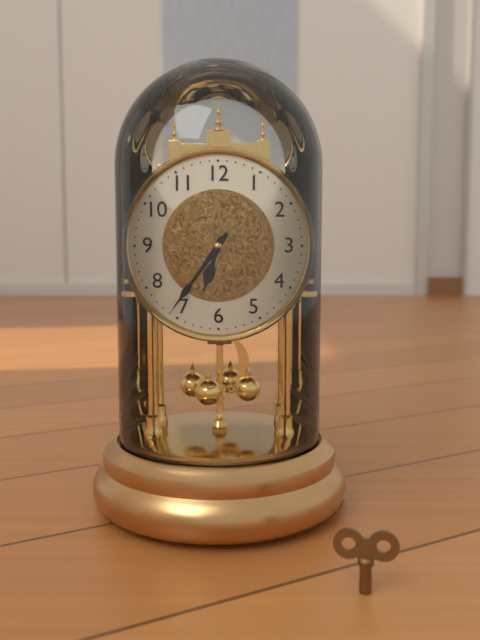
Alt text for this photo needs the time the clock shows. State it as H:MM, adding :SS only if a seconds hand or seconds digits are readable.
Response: 6:36
